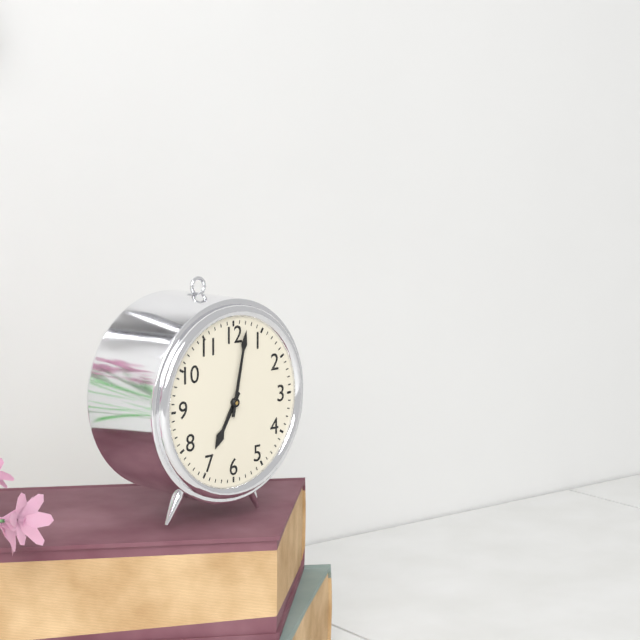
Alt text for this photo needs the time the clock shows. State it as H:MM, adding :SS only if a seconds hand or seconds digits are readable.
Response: 7:02
